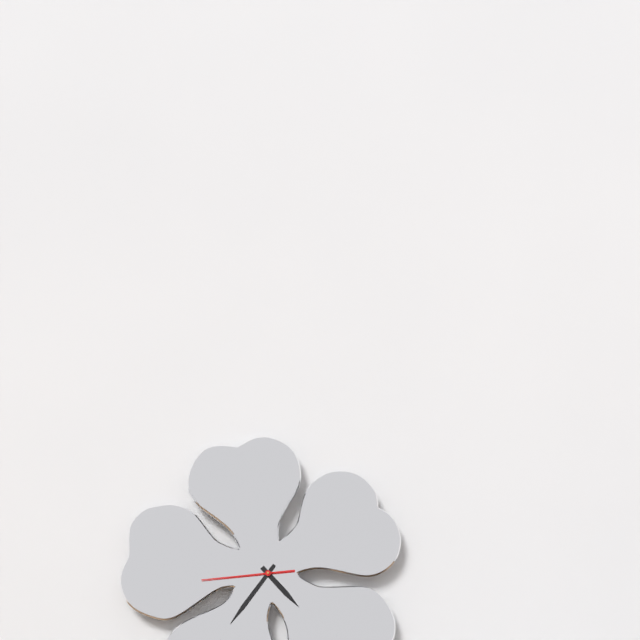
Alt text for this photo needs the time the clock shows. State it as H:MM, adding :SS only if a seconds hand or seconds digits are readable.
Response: 4:36:44
